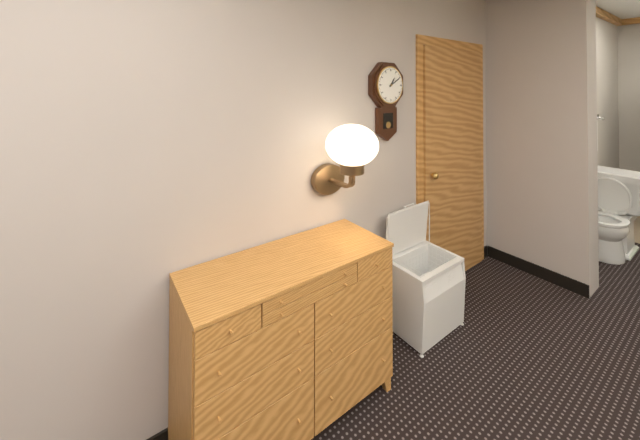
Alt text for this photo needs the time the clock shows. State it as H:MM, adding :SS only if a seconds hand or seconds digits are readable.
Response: 1:10
